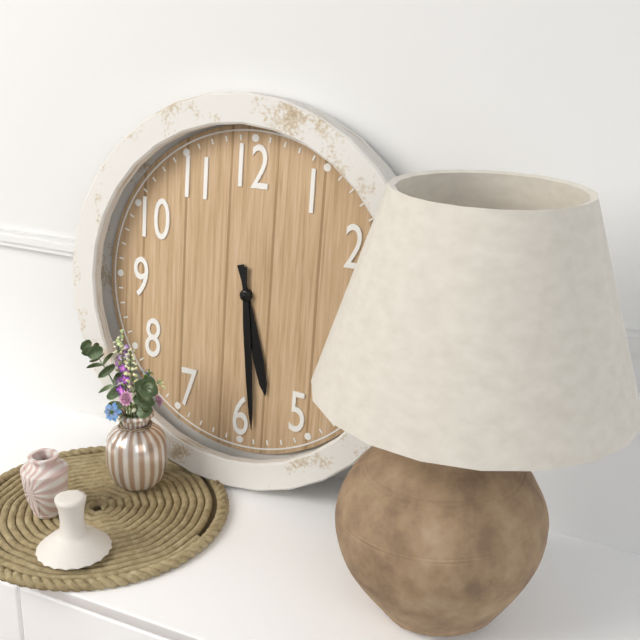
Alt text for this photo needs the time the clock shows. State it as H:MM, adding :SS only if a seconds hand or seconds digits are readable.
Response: 5:29
